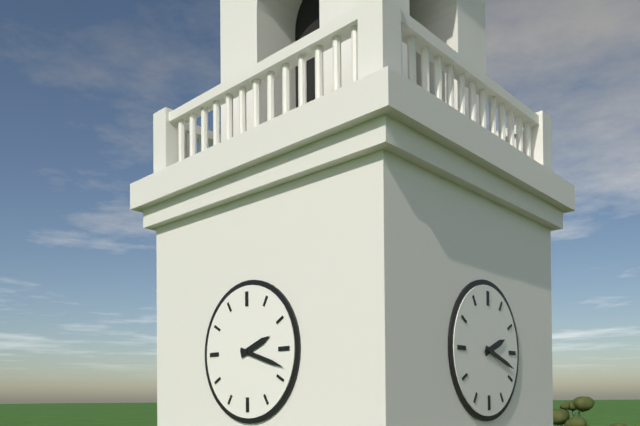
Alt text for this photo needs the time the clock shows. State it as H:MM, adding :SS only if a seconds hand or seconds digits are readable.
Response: 2:18
